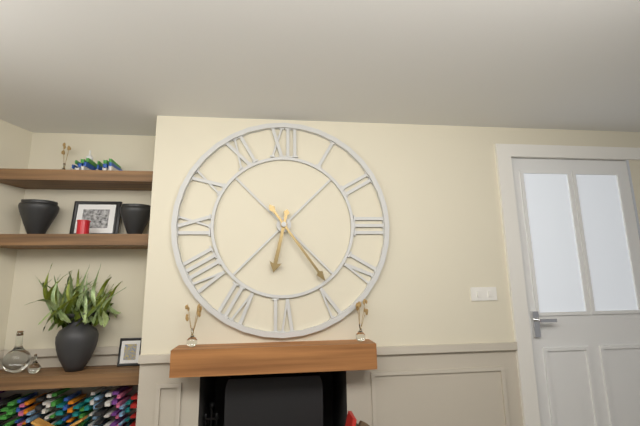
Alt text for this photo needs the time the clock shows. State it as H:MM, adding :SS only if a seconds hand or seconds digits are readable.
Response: 6:24
